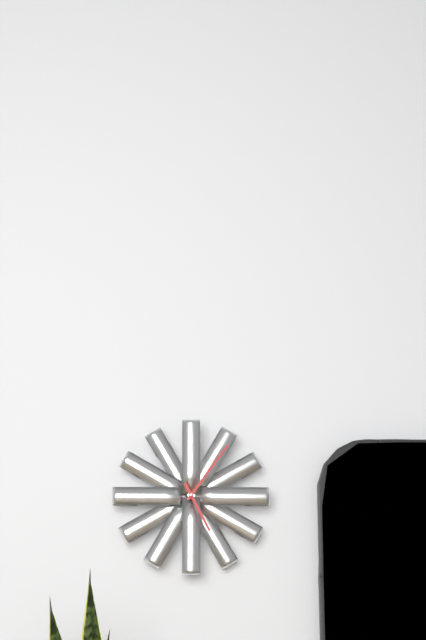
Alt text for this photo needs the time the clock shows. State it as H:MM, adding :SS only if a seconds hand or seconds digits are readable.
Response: 5:06
